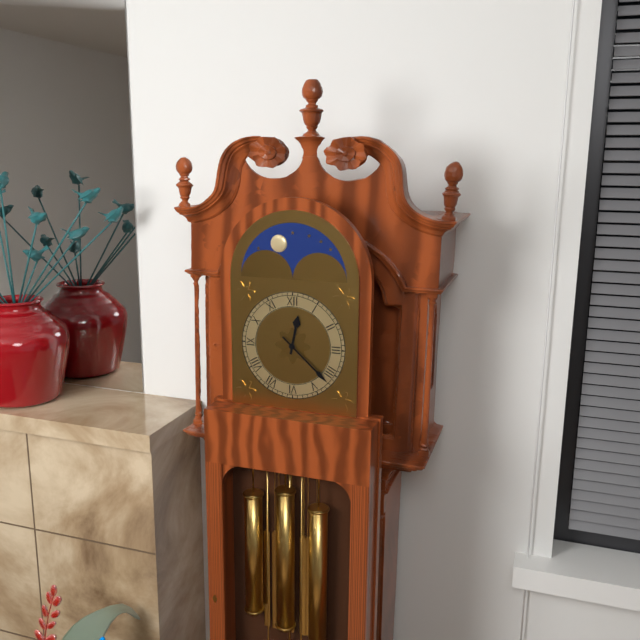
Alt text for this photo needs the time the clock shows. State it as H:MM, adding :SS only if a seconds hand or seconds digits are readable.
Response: 12:22
